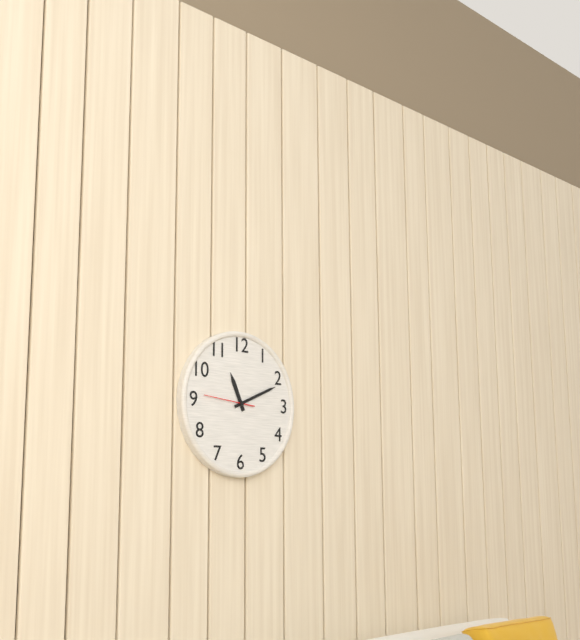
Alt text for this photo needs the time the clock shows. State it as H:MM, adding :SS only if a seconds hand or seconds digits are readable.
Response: 11:11
